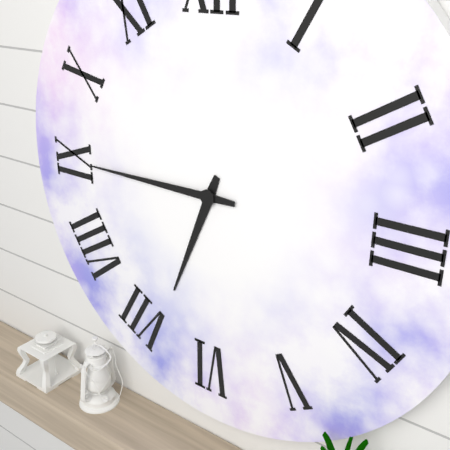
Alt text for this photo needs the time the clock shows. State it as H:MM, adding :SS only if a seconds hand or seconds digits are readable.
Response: 6:45
